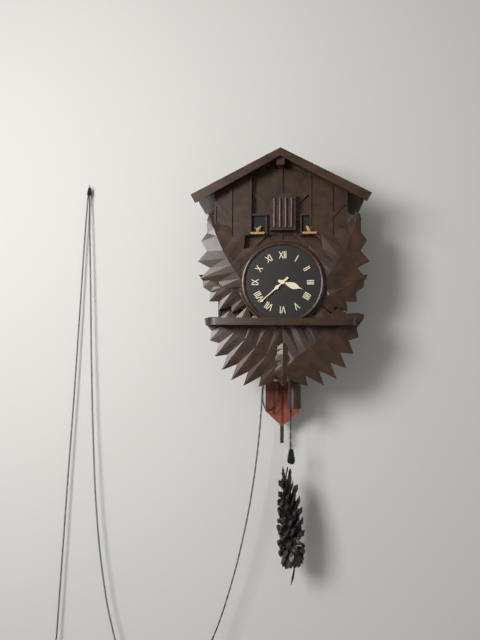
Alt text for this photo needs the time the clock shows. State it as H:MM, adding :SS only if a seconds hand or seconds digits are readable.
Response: 3:38
